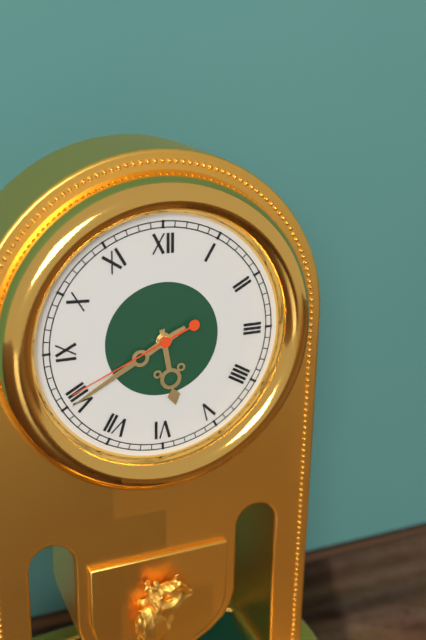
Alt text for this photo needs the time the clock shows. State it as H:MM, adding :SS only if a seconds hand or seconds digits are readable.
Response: 5:40:41
